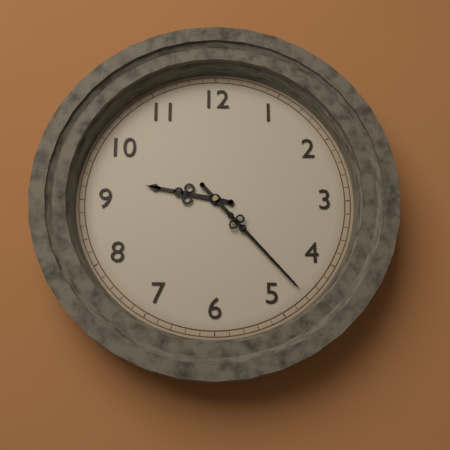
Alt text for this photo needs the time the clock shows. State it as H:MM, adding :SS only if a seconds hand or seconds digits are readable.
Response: 9:23
